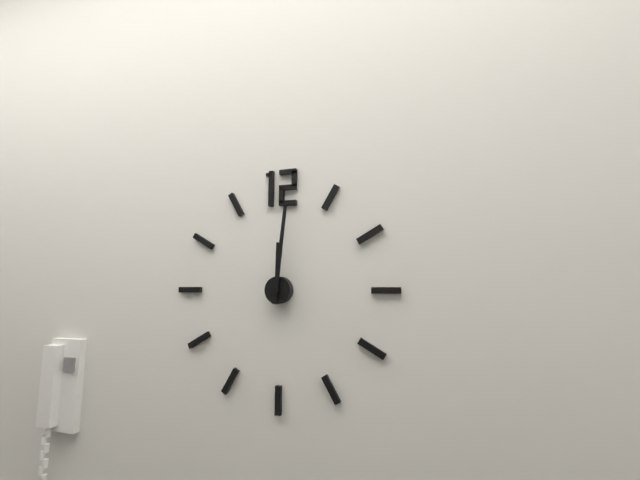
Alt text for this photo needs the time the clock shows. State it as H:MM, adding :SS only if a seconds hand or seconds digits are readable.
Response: 12:01
